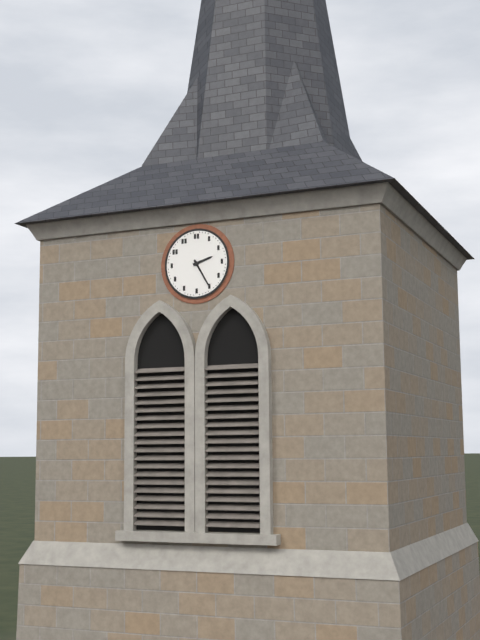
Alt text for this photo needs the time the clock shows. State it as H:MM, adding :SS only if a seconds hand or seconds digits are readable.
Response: 2:25
